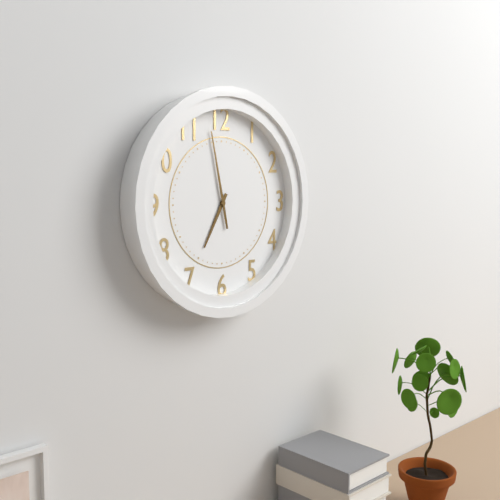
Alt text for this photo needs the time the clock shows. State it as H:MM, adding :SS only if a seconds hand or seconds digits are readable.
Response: 6:58
